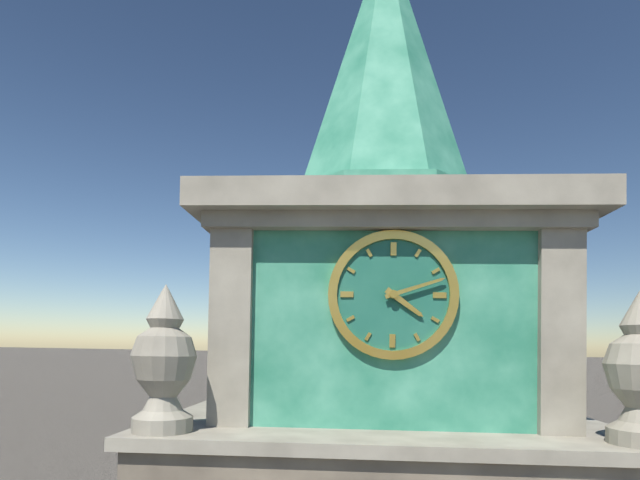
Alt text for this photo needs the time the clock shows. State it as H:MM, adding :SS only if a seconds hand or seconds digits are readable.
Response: 4:12
